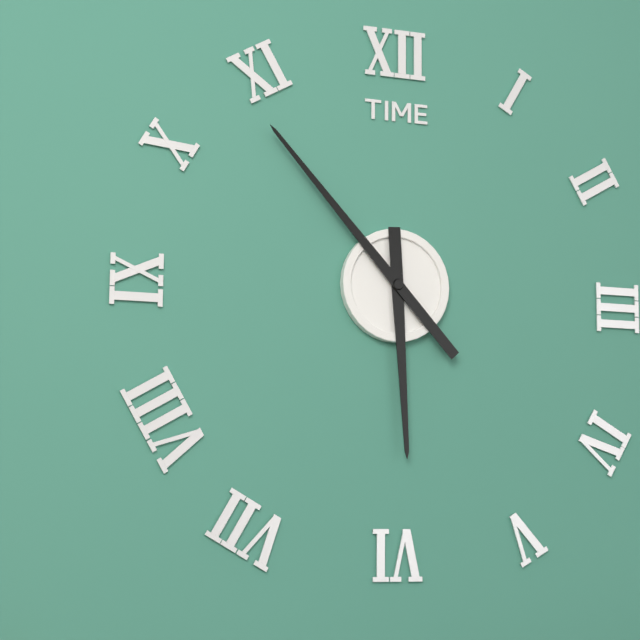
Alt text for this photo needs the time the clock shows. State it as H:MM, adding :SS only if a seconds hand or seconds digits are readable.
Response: 5:53
